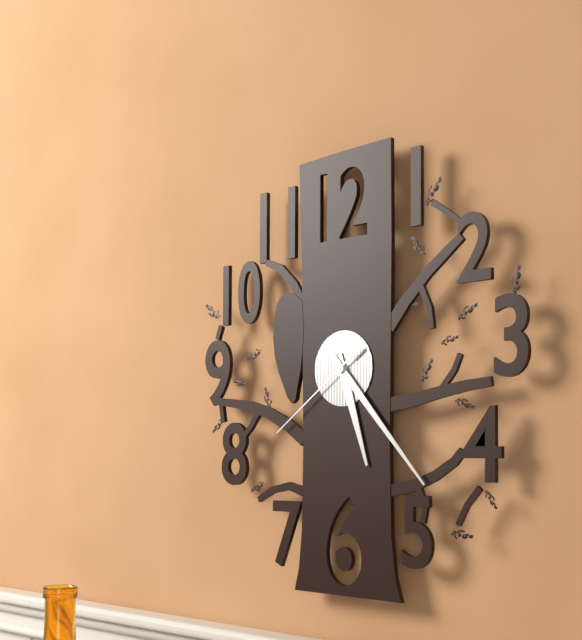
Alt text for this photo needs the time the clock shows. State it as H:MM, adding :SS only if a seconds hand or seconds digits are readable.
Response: 5:23:39
